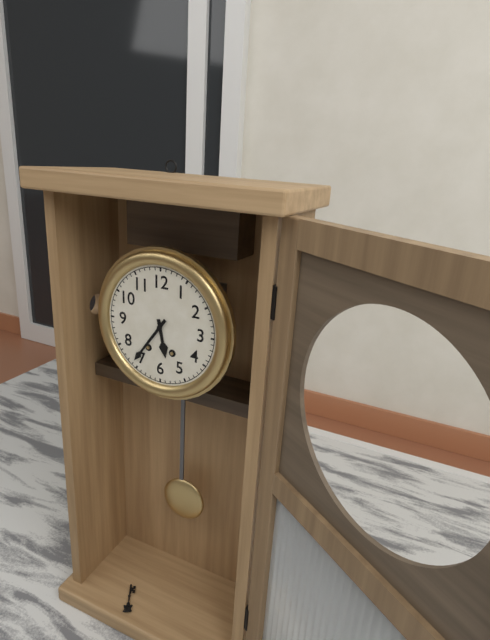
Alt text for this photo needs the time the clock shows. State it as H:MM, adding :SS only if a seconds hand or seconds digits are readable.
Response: 5:36
